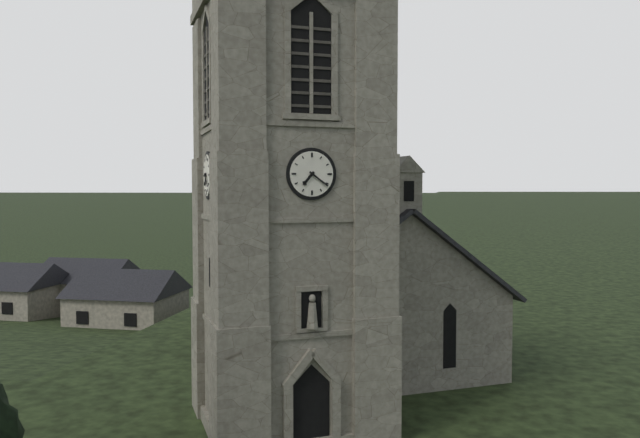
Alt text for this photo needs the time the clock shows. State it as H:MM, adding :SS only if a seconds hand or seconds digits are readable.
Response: 7:21
